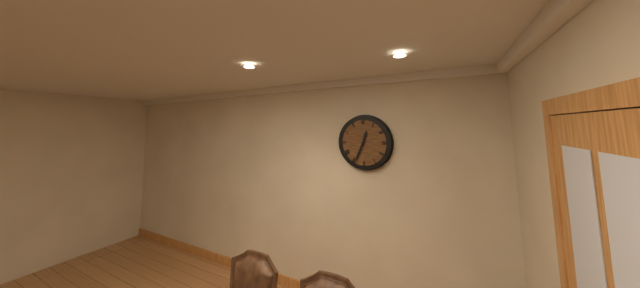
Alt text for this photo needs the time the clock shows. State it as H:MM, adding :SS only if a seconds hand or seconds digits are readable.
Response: 12:34
